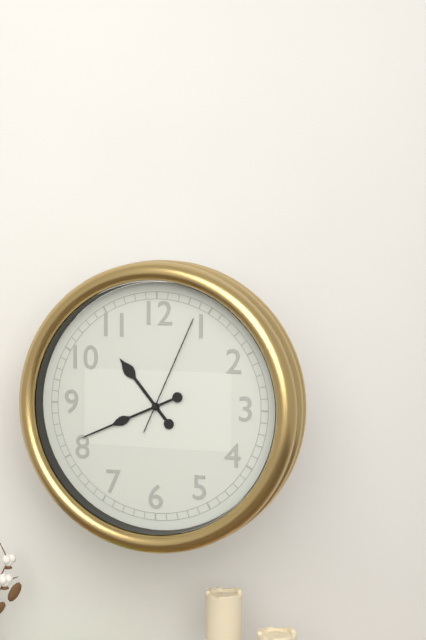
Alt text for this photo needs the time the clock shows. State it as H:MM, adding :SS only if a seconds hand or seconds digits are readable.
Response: 10:41:04
